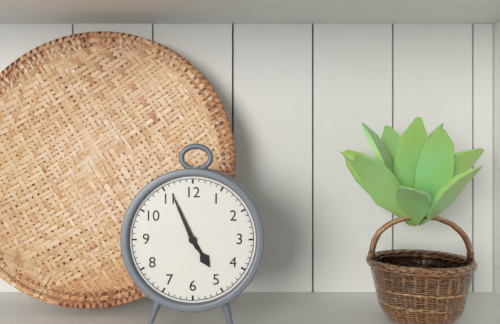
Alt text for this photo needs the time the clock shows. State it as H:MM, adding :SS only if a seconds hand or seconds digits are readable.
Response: 4:56
